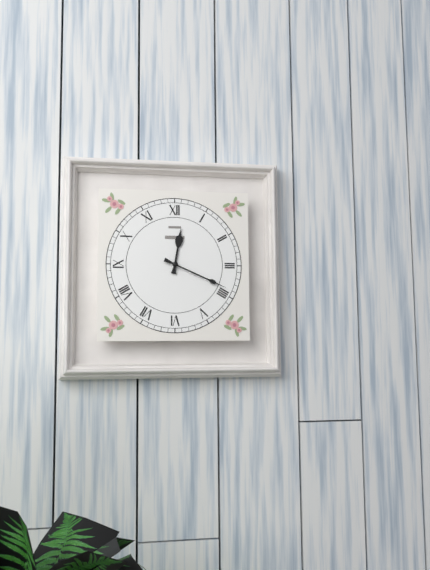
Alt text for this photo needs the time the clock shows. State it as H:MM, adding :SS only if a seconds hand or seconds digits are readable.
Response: 12:19
